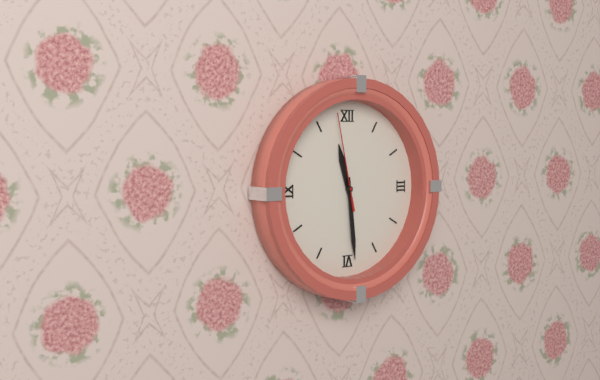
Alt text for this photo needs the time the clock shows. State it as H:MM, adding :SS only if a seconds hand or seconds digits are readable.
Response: 11:29:58
